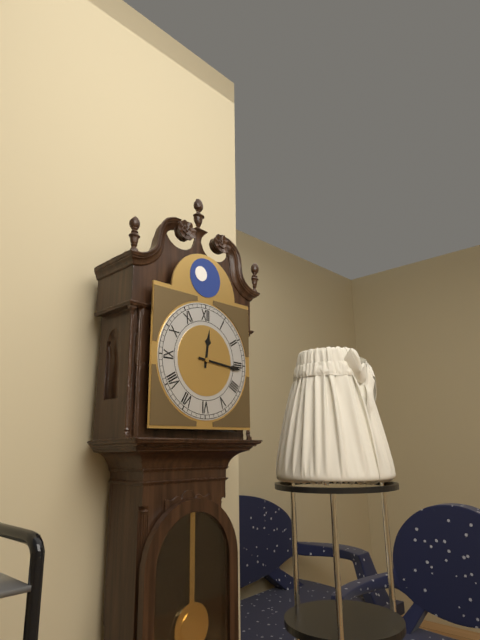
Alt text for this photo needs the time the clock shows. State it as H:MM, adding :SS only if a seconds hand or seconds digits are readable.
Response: 12:16
